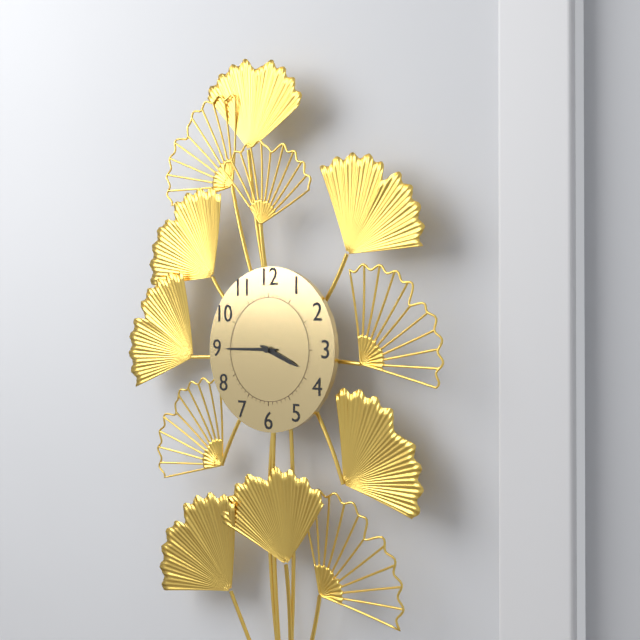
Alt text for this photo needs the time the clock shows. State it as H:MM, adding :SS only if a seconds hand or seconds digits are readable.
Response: 3:45
